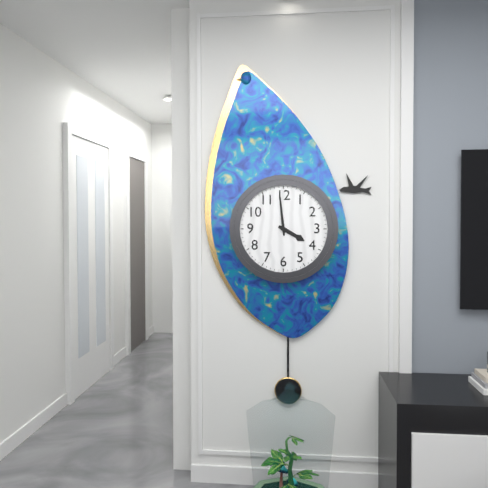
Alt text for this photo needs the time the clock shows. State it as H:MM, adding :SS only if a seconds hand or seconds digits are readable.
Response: 3:59
